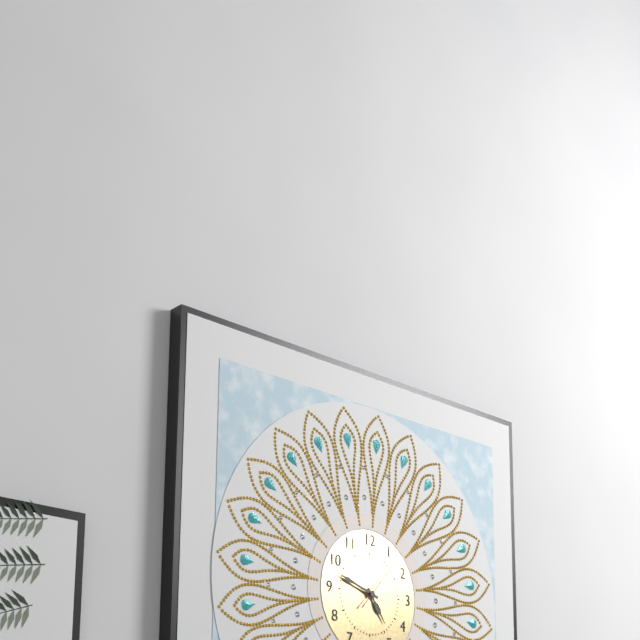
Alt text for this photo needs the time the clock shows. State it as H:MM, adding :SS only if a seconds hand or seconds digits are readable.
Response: 4:48:07
